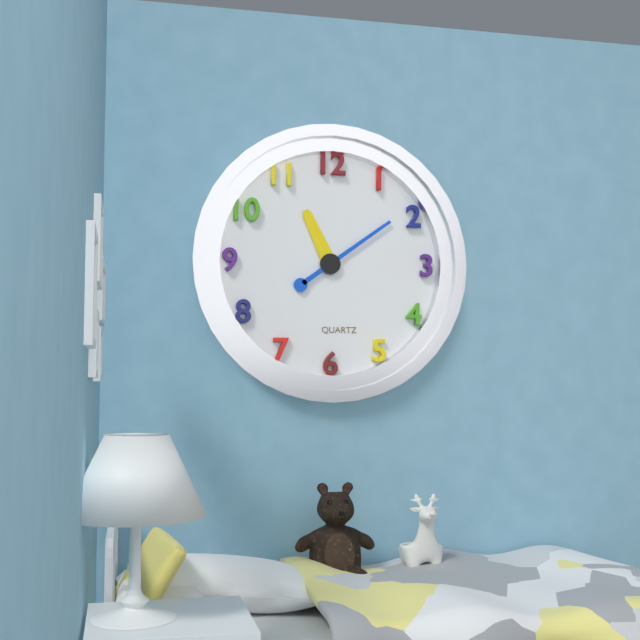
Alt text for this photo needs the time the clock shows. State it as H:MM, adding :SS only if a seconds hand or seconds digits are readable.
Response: 11:09
